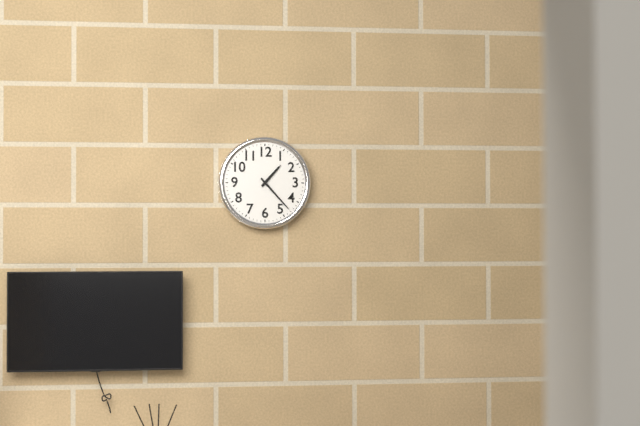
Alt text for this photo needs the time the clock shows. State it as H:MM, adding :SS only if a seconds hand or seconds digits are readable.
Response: 1:23
